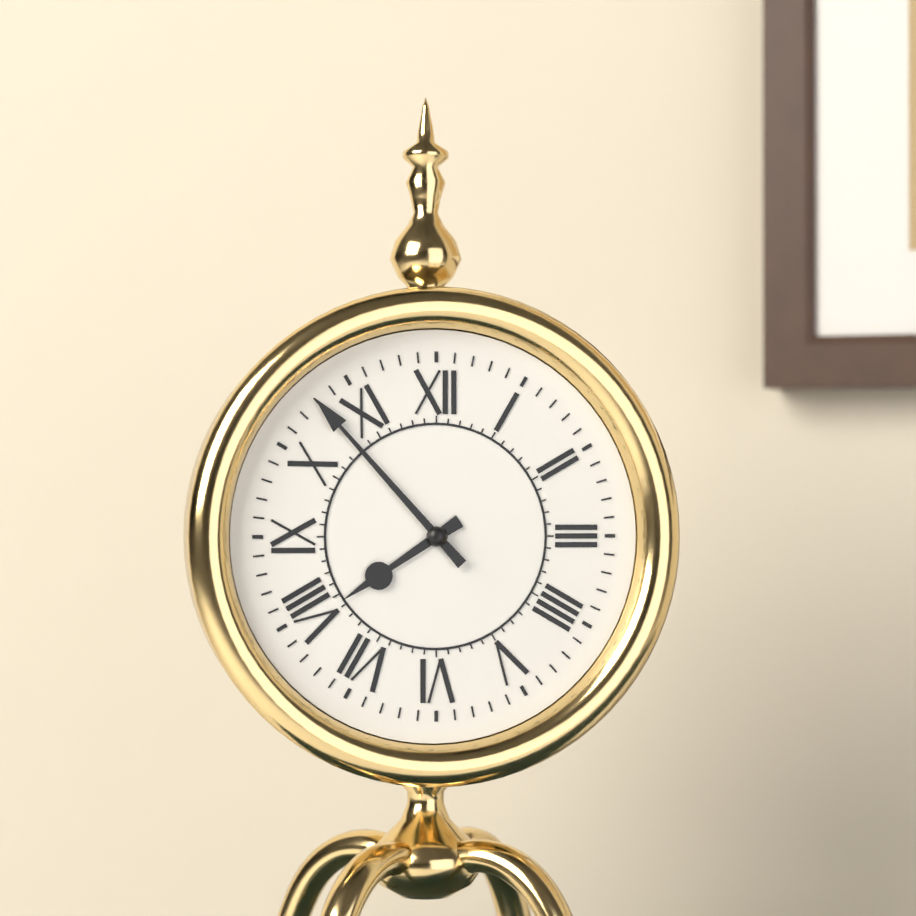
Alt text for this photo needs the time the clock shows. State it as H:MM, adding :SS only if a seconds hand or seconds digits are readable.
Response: 7:53
